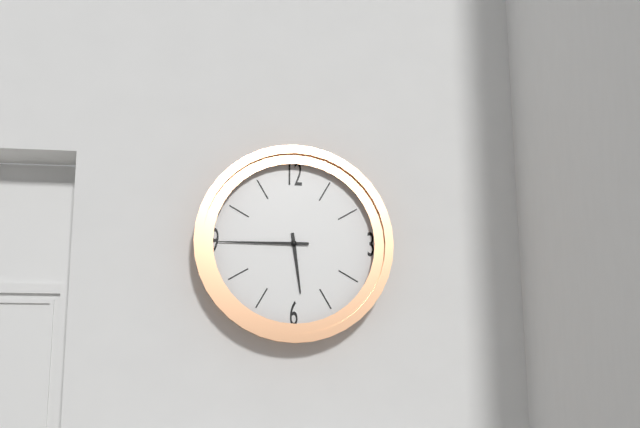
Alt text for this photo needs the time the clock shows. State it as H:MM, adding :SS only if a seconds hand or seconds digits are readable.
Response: 5:45
